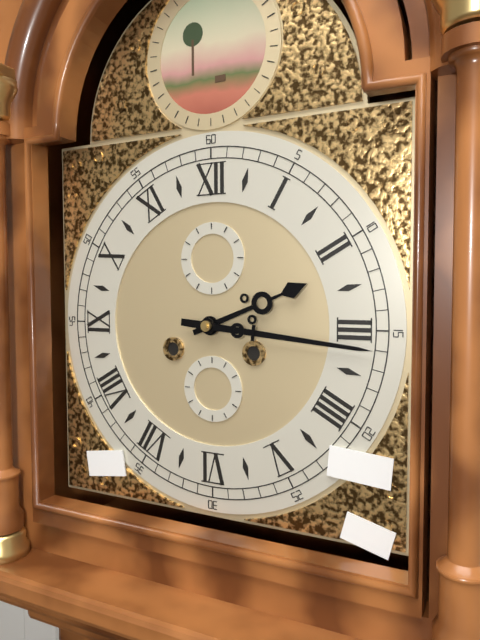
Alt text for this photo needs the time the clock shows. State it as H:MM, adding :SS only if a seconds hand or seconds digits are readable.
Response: 2:16
